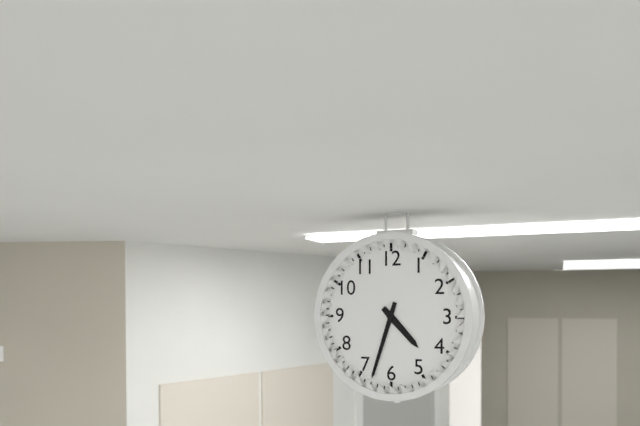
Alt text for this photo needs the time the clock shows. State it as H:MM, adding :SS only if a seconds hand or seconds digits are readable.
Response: 4:33
